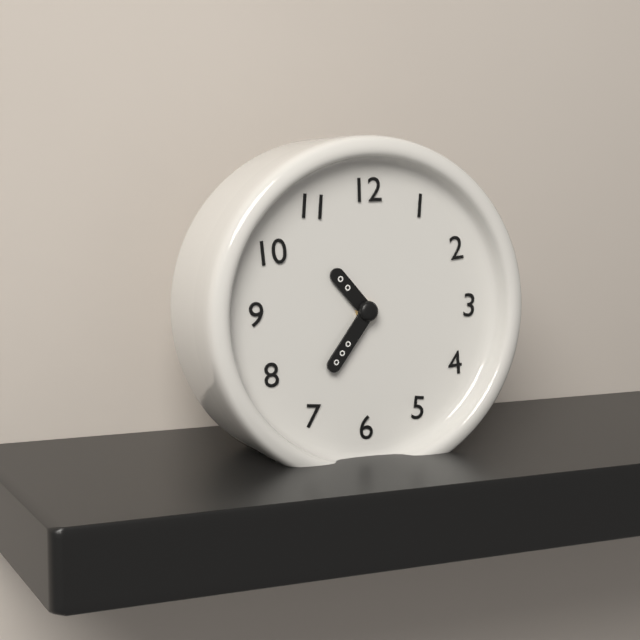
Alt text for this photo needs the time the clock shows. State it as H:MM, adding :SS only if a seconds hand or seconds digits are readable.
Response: 10:36
